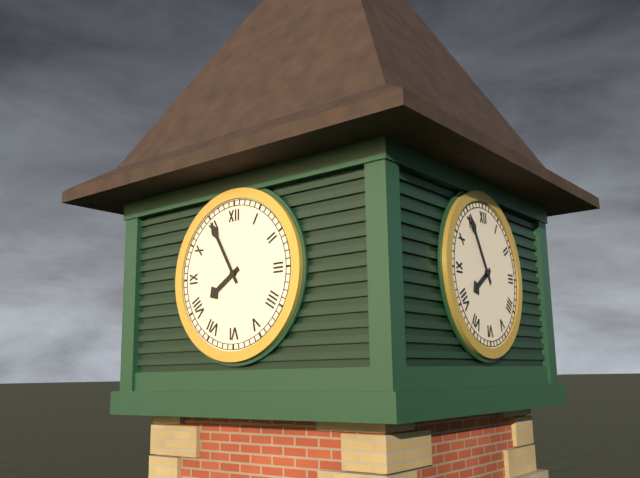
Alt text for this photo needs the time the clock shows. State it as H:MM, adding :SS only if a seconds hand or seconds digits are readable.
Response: 7:55
